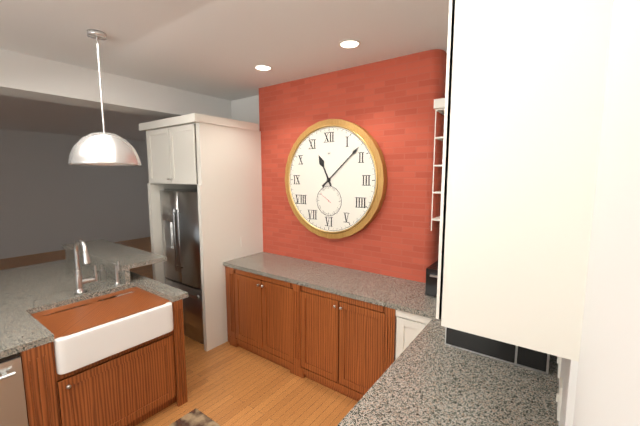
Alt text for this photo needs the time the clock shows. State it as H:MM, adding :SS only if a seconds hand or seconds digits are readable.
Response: 11:08
